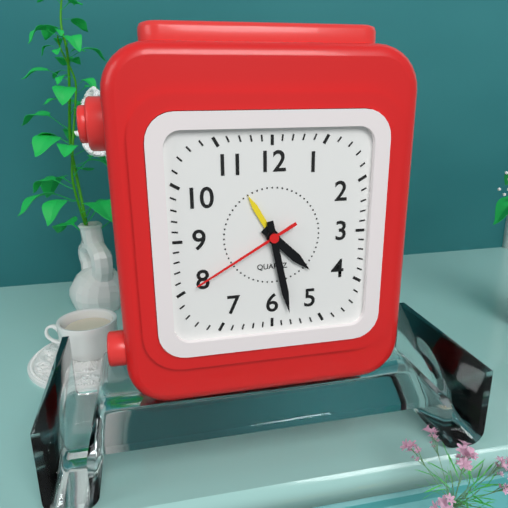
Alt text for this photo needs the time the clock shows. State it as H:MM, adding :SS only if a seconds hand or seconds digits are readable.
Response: 4:28:40
